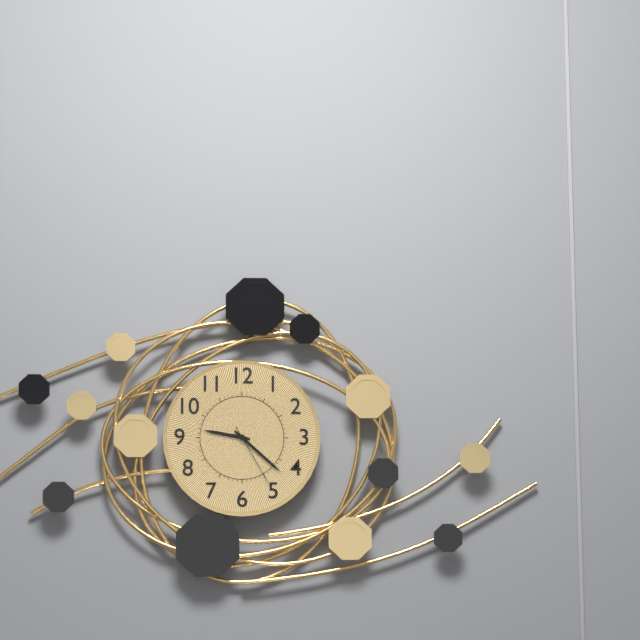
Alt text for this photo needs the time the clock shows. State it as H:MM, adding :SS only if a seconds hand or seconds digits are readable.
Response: 9:22:25
